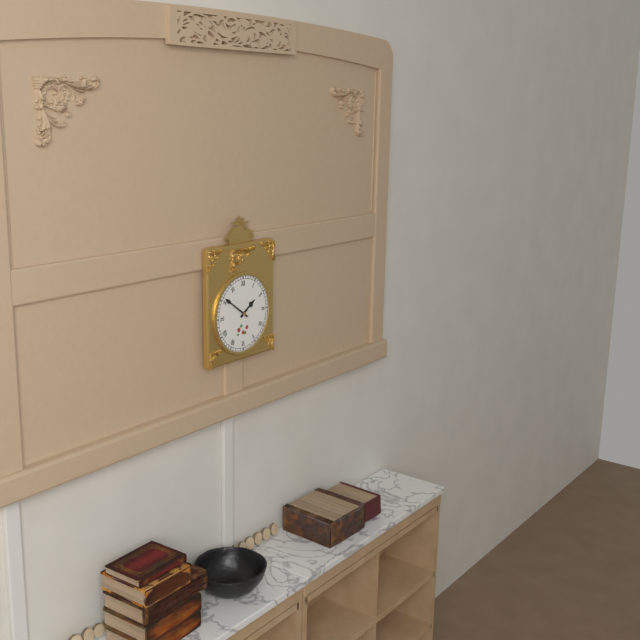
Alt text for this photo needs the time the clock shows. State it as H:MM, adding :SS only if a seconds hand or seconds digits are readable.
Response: 1:51
